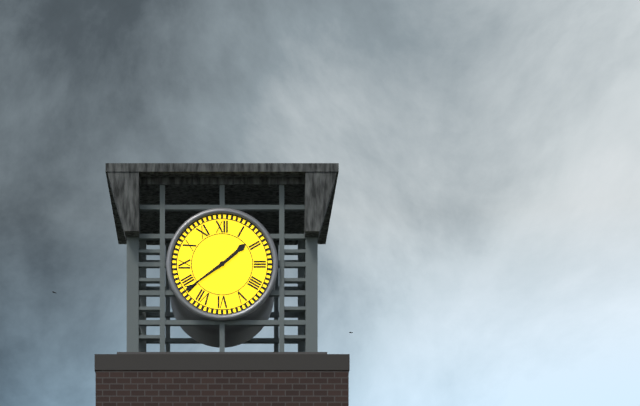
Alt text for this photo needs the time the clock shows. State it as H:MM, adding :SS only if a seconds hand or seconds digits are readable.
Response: 1:39
